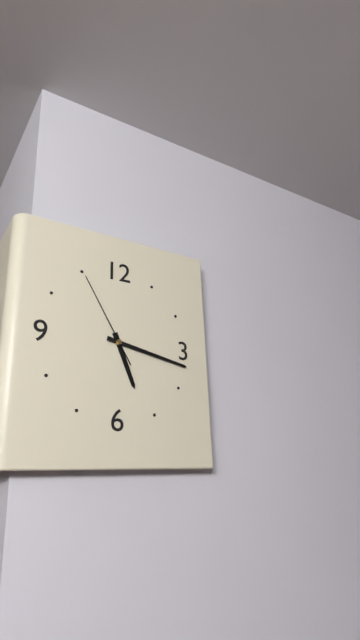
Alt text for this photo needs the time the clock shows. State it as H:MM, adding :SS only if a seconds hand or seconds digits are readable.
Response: 5:17:55
